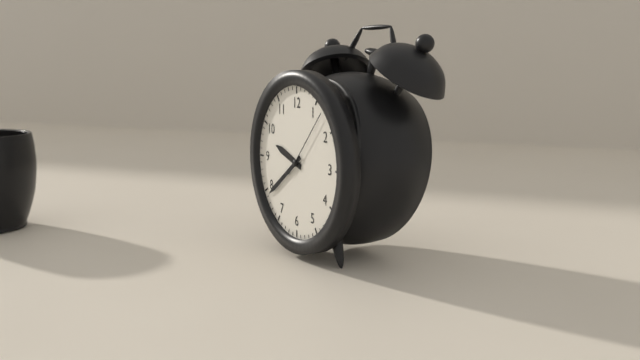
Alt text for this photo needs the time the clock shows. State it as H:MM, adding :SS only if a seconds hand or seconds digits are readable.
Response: 9:39:07
